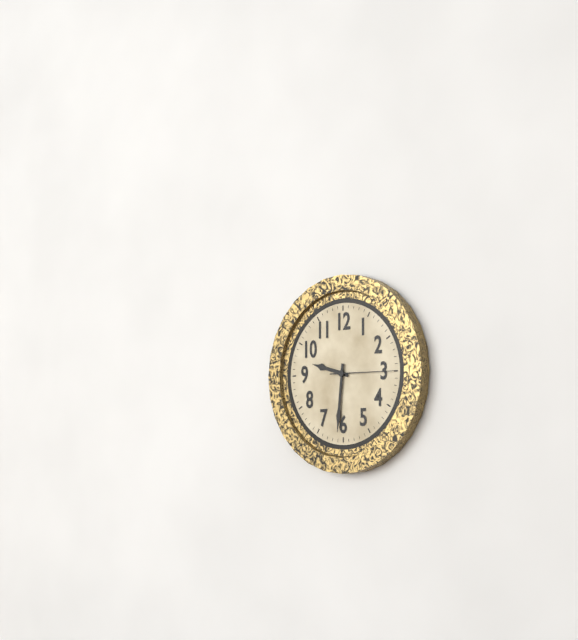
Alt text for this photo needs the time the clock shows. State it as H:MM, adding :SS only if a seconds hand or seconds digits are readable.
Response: 9:31:15
